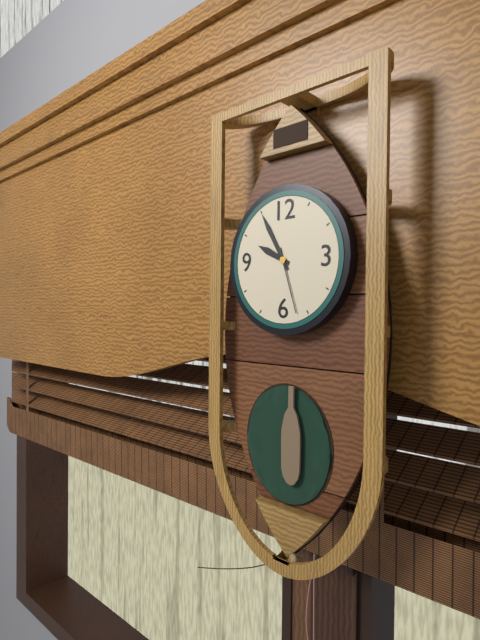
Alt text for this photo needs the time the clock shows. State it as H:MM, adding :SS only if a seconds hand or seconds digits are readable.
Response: 9:55:27
